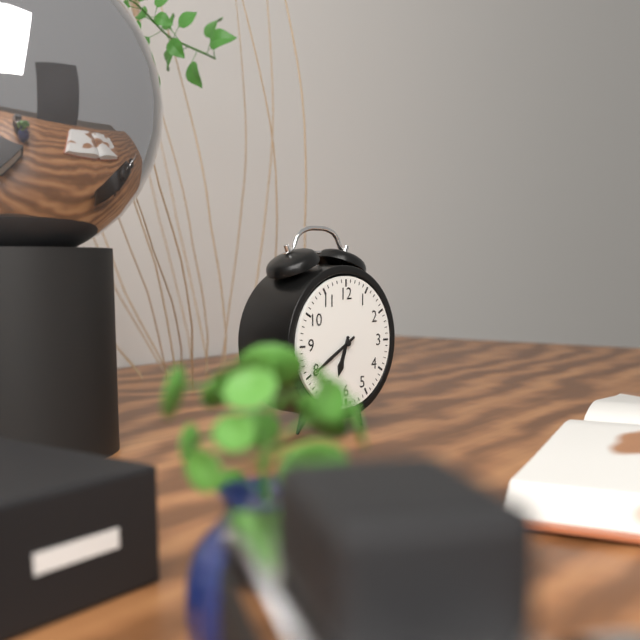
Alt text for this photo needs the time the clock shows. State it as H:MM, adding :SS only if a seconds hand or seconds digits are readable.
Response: 6:40
